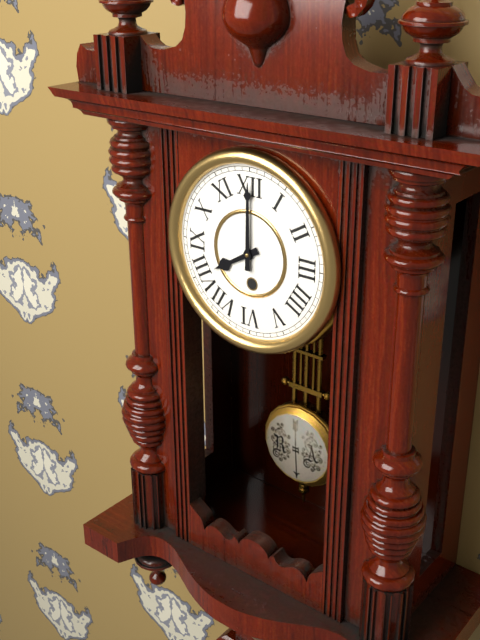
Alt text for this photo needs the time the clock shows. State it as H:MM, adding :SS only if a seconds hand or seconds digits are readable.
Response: 8:00
